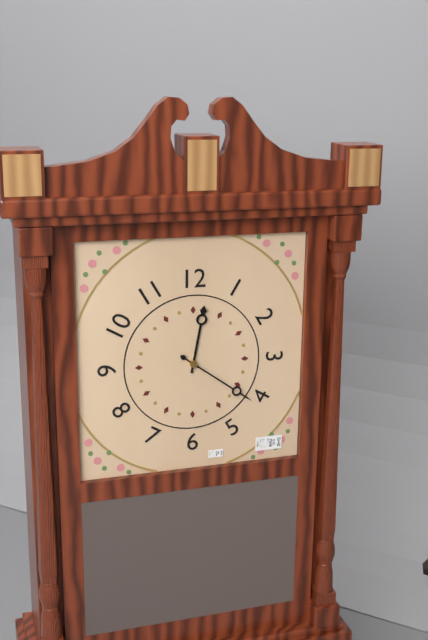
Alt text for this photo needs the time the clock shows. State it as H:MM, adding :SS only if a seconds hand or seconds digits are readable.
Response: 12:21
